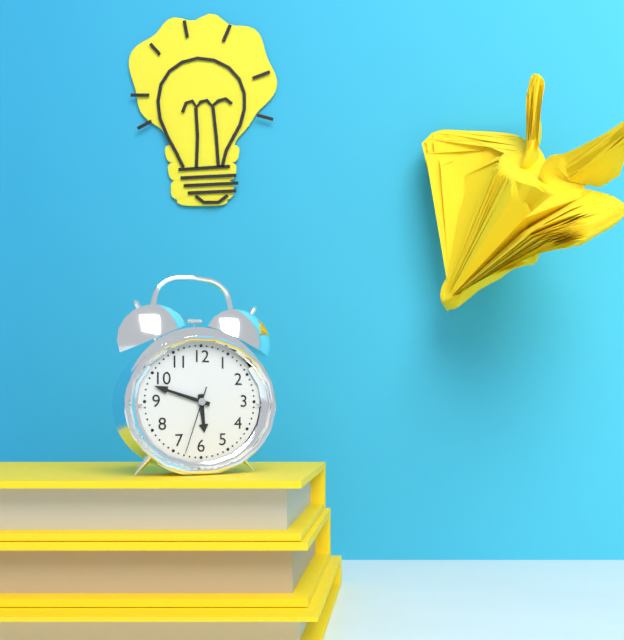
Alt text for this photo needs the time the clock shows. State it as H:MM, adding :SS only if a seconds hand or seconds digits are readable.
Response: 5:48:33
